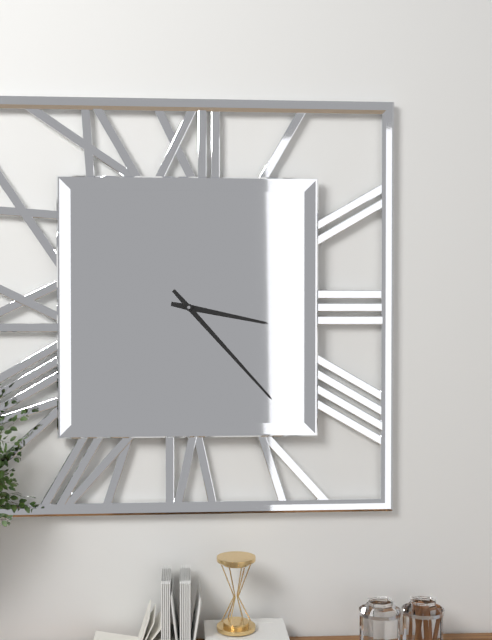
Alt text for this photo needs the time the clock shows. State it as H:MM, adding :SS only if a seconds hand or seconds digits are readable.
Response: 3:23
